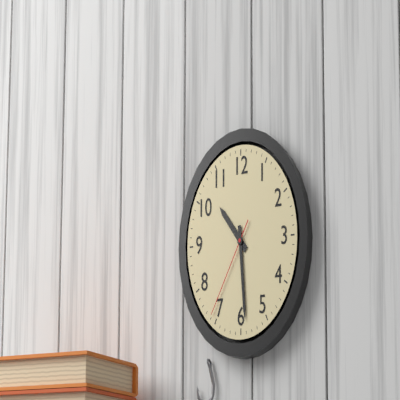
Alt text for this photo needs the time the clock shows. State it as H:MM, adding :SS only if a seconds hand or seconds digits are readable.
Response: 10:29:36
